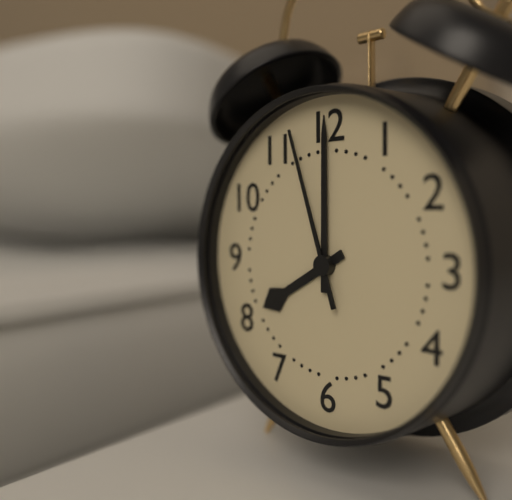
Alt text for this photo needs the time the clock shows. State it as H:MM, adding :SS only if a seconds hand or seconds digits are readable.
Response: 8:00:57
